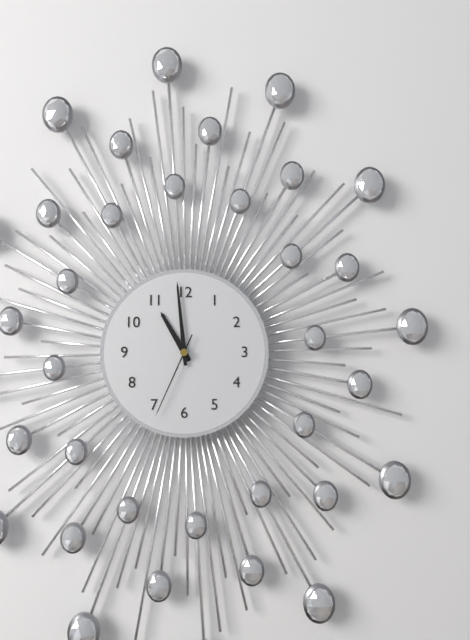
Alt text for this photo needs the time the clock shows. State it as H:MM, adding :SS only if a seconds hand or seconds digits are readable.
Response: 10:59:34
